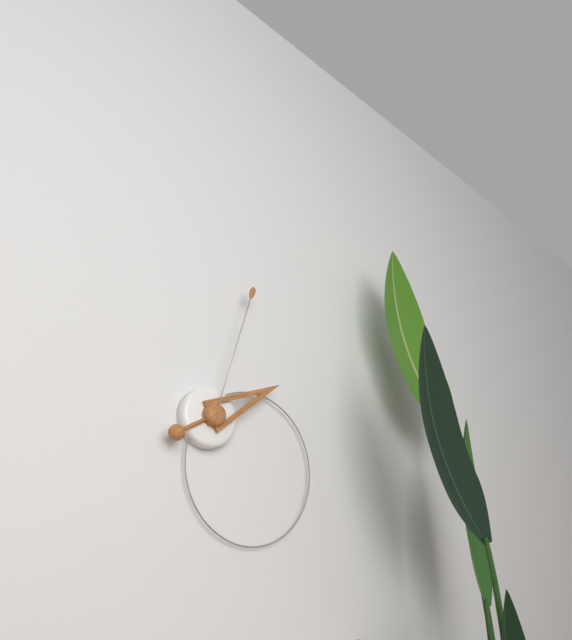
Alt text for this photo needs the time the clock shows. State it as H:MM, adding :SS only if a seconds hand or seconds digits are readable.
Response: 2:03
